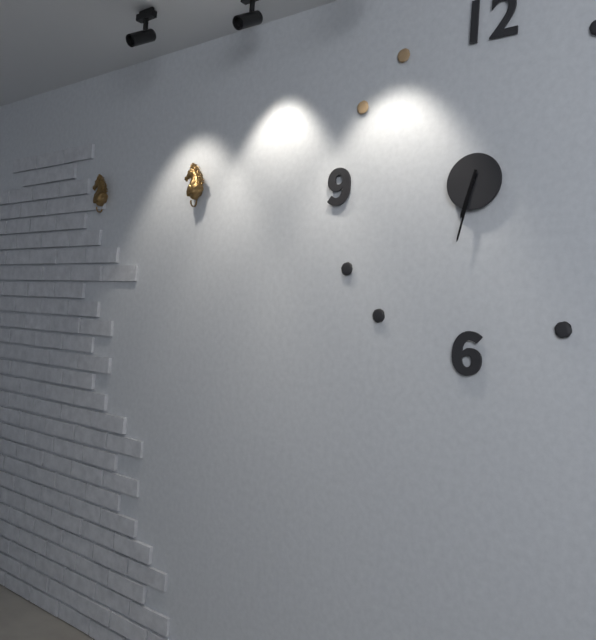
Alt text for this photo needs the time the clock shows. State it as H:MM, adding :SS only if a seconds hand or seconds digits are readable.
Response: 6:32
